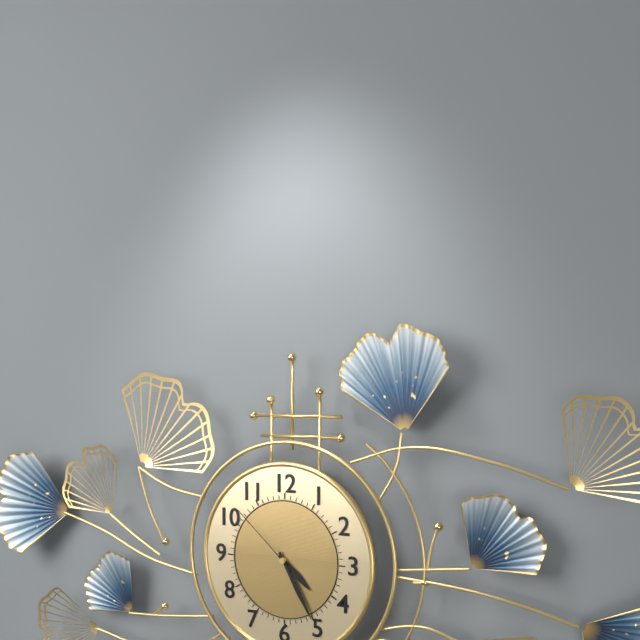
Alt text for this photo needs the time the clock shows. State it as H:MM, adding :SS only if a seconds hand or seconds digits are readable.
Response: 4:25:52
